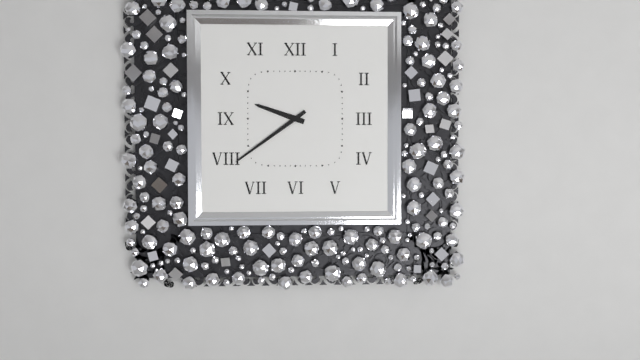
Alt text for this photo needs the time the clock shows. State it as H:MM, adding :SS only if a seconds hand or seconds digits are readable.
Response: 9:39
